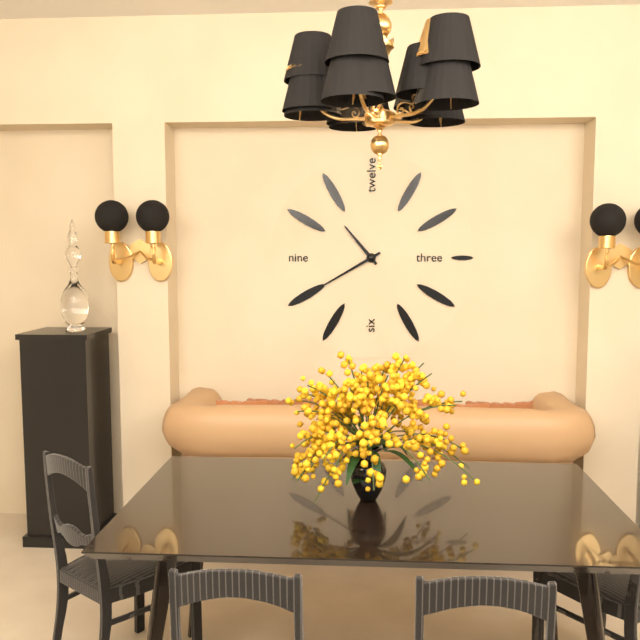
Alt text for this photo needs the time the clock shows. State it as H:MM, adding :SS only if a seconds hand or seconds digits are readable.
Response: 10:40
